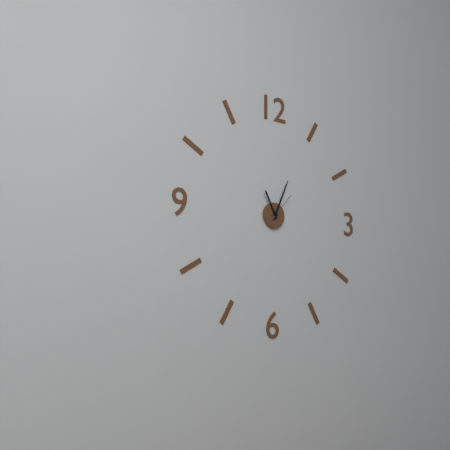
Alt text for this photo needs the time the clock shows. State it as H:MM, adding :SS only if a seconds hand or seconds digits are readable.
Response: 11:04
